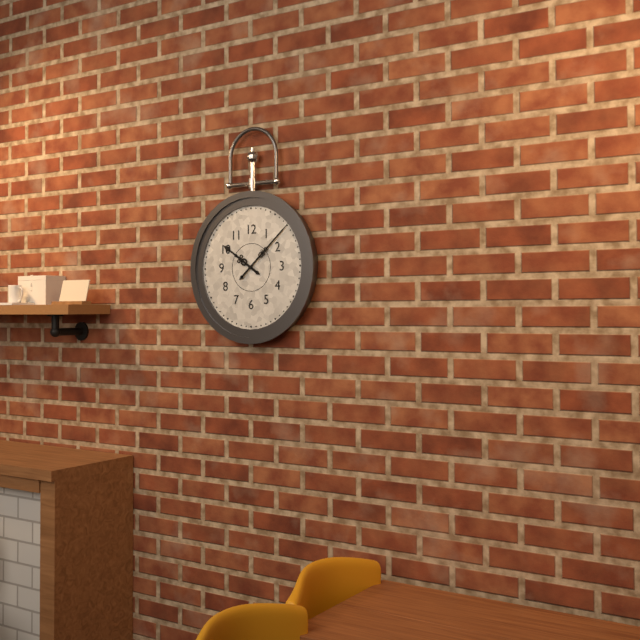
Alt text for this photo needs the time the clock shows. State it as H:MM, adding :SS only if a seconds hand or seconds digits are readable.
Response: 10:08
